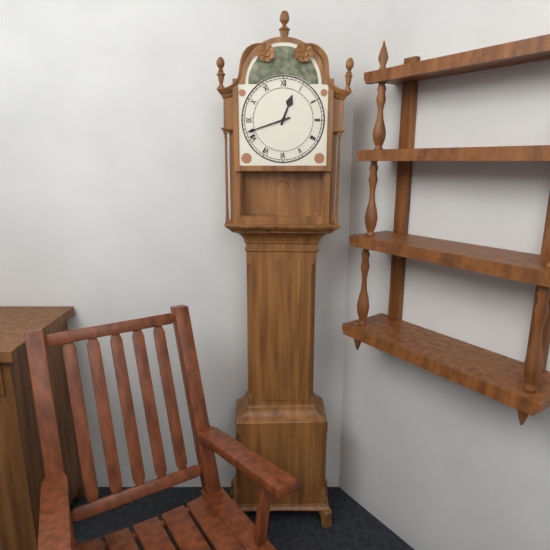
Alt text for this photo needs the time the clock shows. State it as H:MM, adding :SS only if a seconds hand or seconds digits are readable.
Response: 12:42
